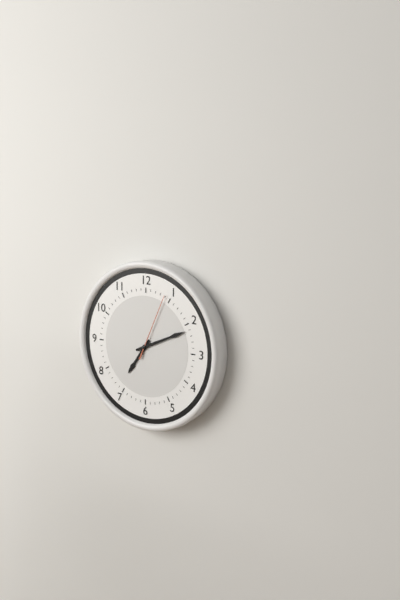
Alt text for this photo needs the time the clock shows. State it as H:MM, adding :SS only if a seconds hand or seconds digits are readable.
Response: 7:11:04
